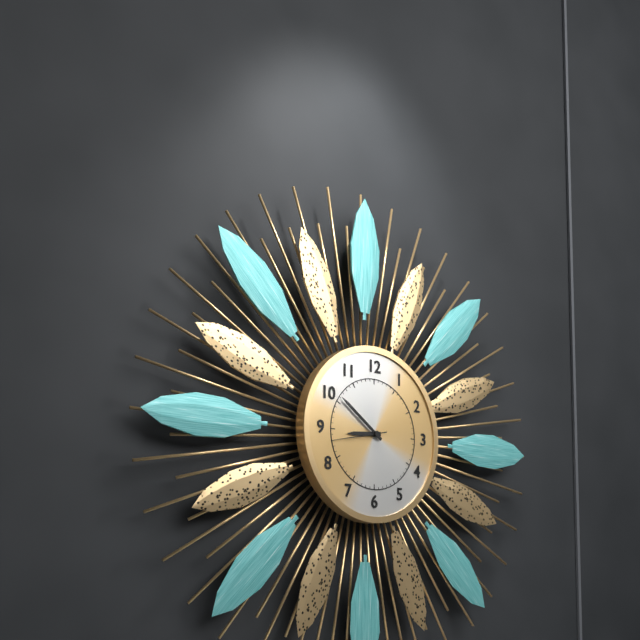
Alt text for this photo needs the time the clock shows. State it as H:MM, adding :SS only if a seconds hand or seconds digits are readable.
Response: 8:51
